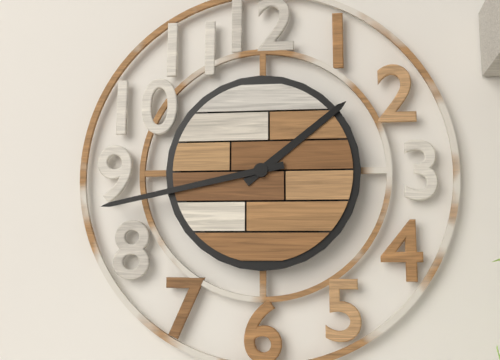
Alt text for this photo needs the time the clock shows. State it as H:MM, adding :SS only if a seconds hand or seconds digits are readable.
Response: 1:43
